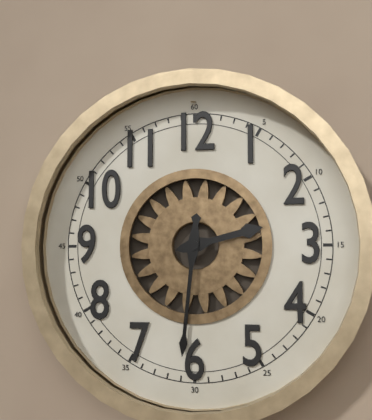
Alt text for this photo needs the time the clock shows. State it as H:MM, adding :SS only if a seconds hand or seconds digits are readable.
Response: 2:31
